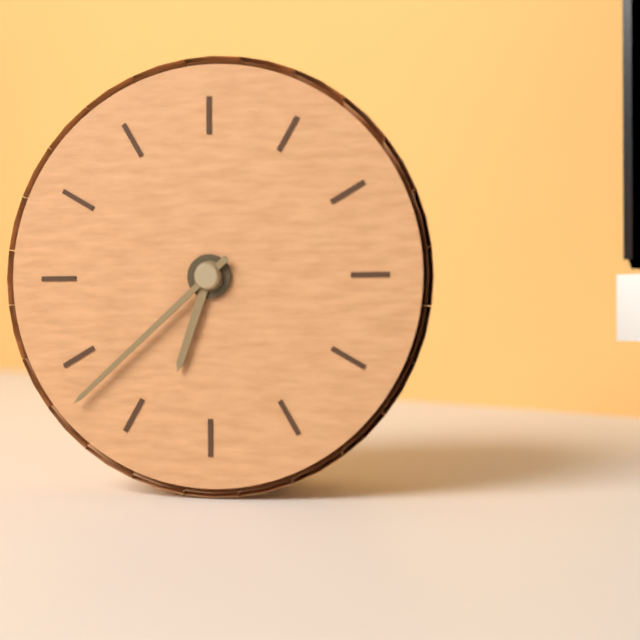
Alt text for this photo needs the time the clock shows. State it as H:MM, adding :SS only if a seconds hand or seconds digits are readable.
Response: 6:38
